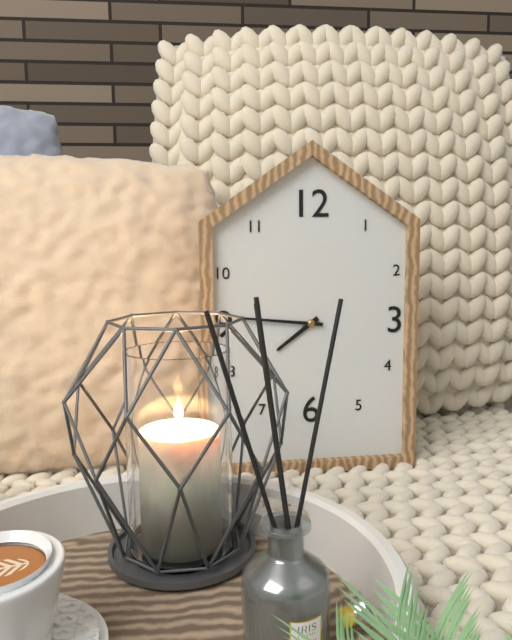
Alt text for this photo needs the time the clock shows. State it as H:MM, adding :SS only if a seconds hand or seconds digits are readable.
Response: 7:46
